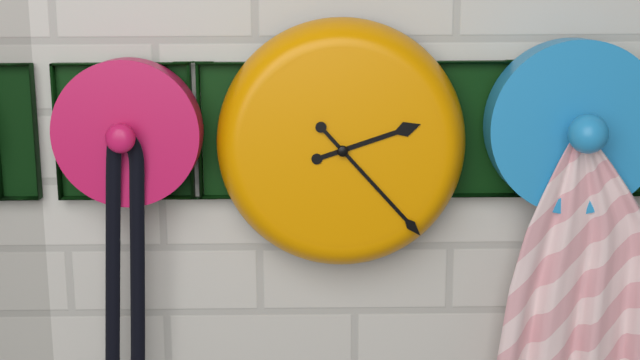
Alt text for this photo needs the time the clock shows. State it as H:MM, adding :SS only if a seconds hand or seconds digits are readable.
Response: 2:23
